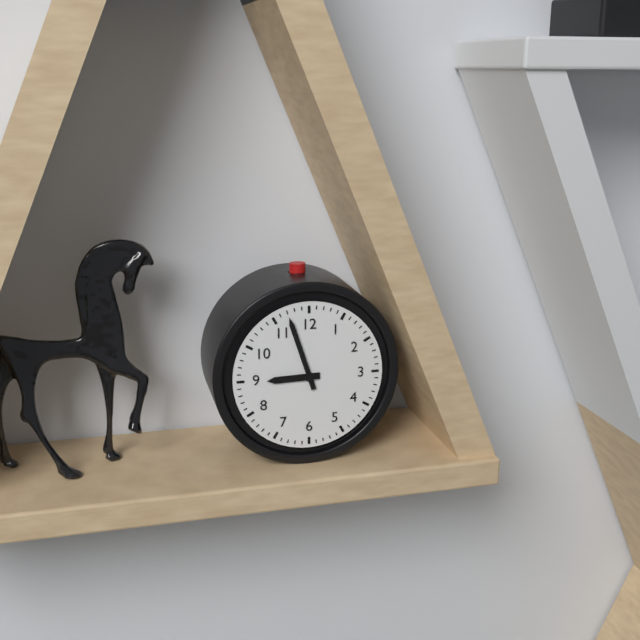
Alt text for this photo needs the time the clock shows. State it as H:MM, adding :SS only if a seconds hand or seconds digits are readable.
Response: 8:57
